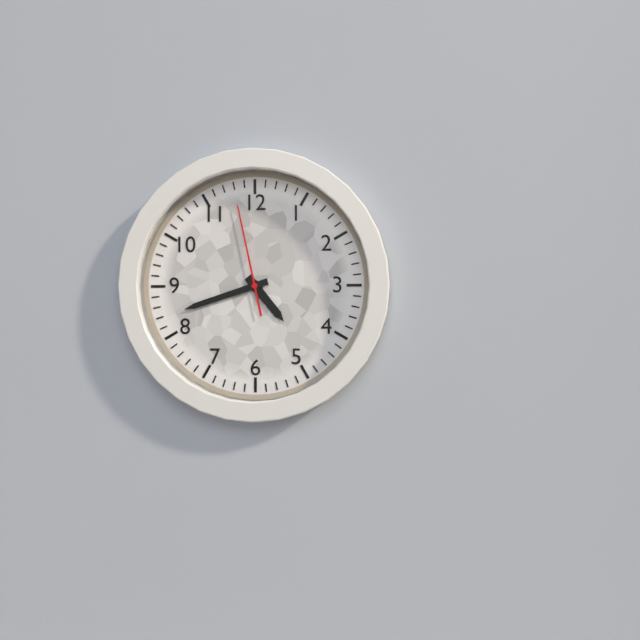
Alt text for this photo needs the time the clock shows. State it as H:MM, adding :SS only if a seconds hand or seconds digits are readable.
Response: 4:42:58
